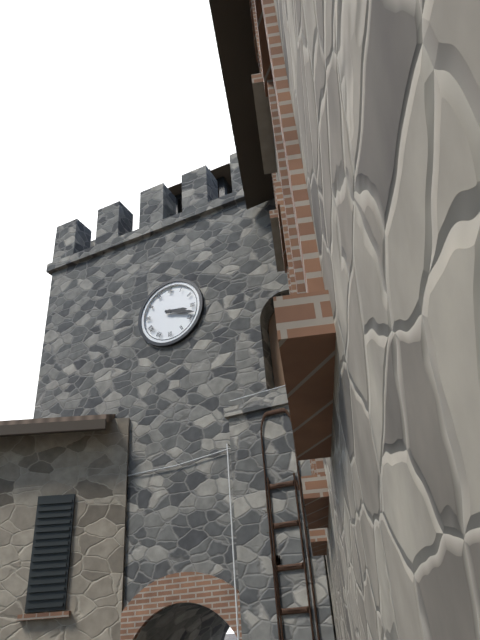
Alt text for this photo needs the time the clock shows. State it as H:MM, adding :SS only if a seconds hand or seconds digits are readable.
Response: 3:18
